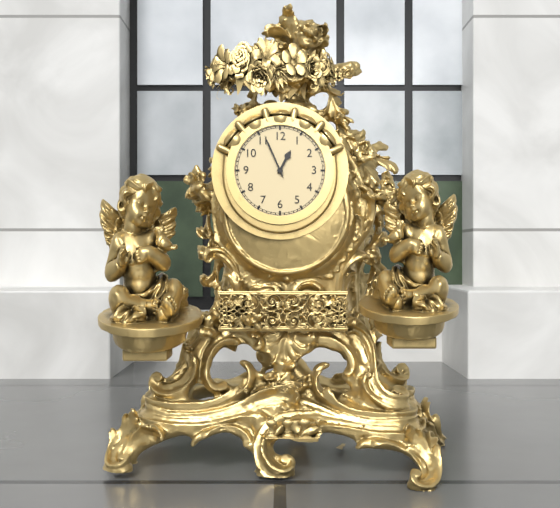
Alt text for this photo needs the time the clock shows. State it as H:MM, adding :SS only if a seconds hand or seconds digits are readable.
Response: 12:56
